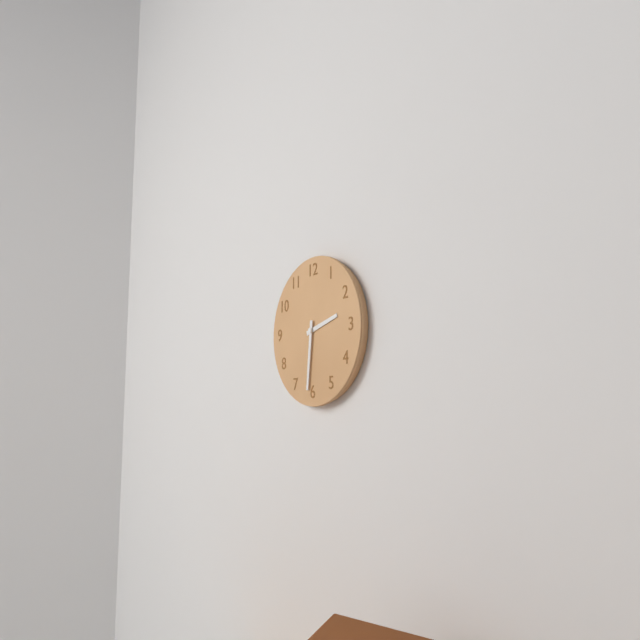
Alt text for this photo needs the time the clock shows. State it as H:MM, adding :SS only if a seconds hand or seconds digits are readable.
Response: 2:31
